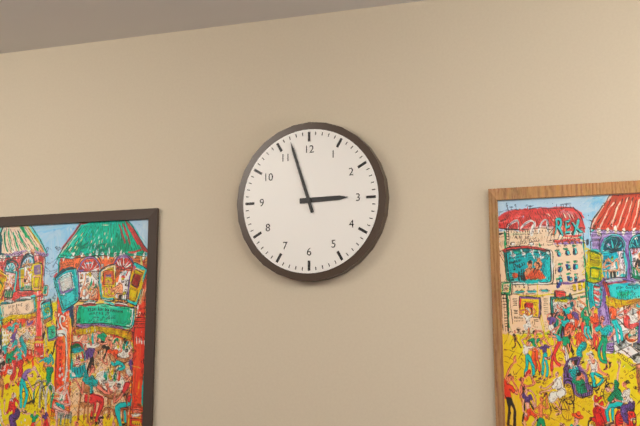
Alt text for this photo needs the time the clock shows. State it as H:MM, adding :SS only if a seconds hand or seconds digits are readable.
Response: 2:57
